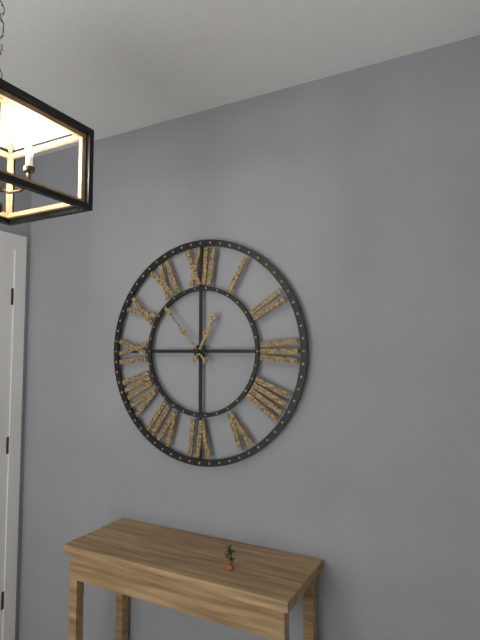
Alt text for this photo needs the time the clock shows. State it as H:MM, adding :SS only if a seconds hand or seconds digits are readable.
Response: 12:53
